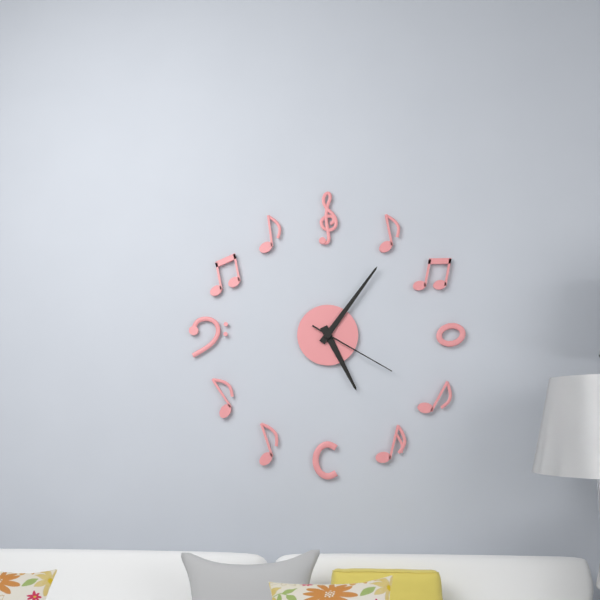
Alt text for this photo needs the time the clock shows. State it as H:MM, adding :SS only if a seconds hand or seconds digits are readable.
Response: 5:06:20
